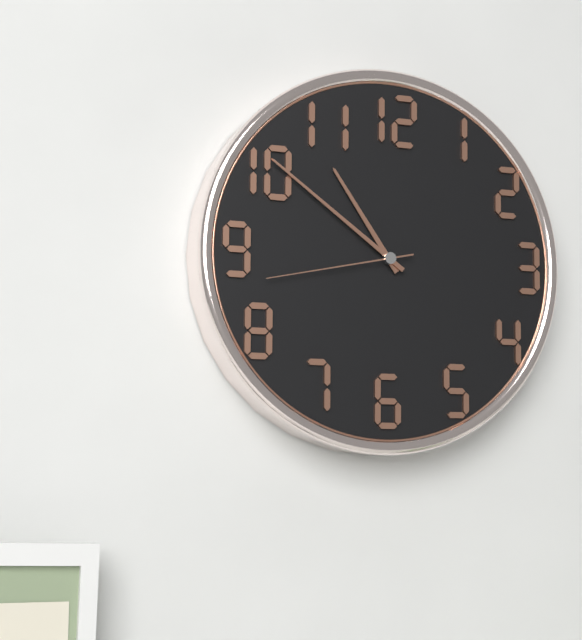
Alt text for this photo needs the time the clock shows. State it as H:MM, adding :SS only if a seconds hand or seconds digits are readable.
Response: 10:51:43
